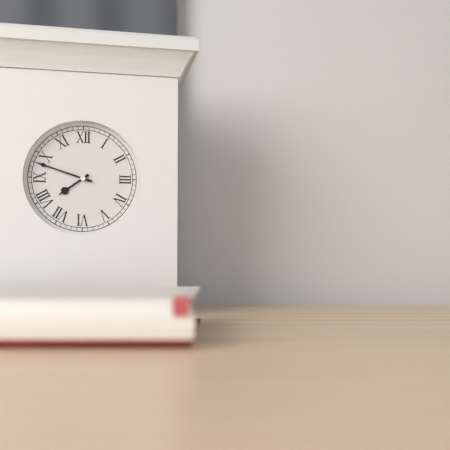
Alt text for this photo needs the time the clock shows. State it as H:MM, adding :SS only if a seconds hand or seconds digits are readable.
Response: 7:48
